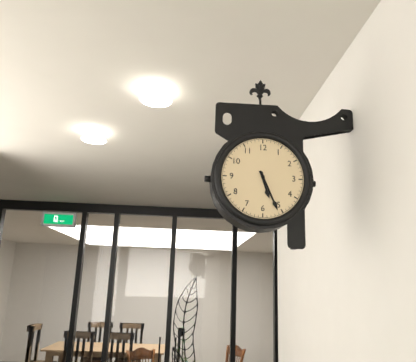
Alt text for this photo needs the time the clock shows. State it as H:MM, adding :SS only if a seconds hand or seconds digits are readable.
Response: 5:26
